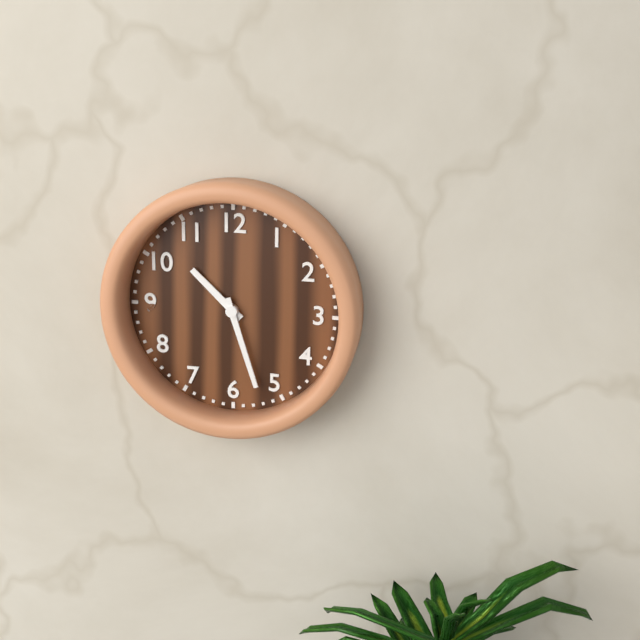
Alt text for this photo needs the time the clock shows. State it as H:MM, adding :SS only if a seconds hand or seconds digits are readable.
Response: 10:27
